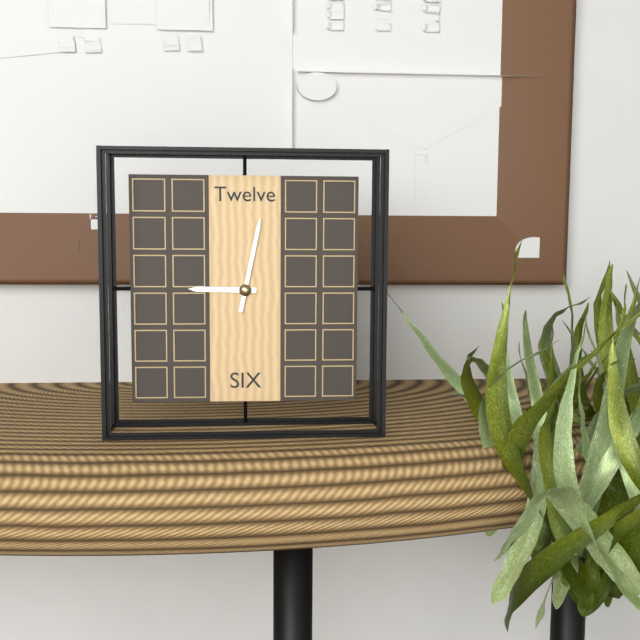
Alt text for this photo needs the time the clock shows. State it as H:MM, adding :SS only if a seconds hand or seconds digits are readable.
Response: 9:02
